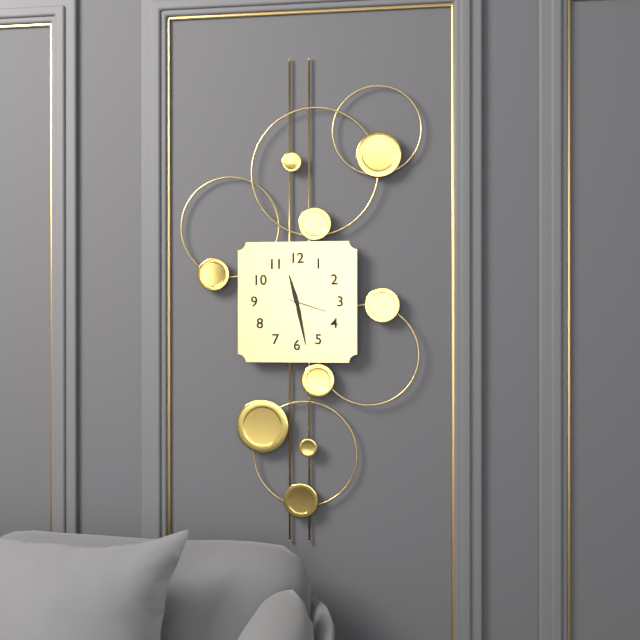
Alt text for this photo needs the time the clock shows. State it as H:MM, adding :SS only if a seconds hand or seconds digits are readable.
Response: 11:28
